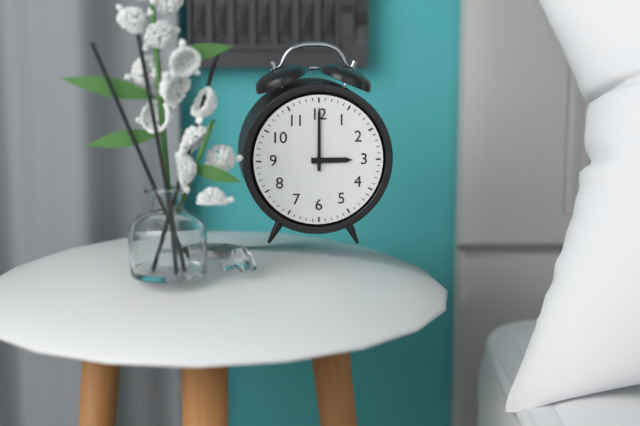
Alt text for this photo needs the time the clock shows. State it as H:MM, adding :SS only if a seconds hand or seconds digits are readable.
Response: 3:00
